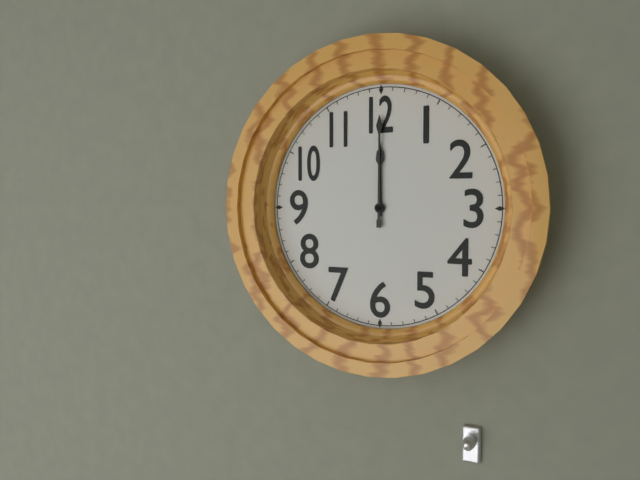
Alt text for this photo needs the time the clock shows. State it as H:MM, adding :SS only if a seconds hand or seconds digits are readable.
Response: 12:00
